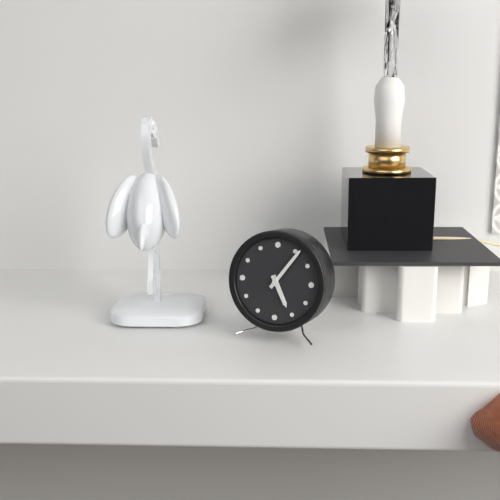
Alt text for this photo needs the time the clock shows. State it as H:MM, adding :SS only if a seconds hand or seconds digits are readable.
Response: 5:06
